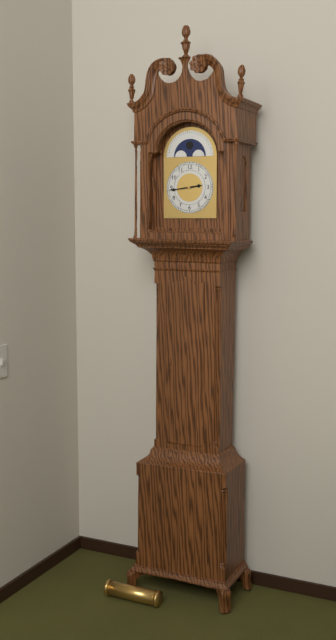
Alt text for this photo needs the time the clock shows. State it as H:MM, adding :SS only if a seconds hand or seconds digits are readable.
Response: 2:44
